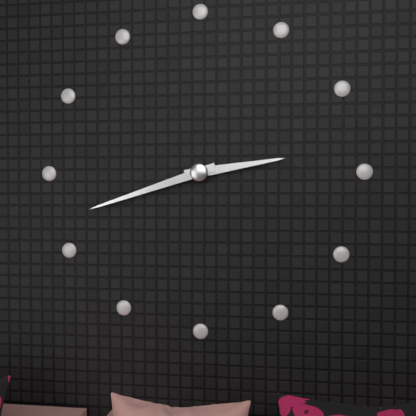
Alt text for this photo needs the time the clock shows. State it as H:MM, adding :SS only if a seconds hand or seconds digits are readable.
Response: 2:42
